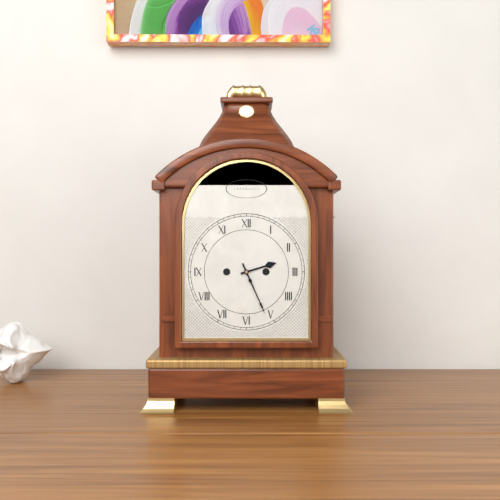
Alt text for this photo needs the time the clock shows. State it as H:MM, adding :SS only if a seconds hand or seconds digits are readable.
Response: 2:26
